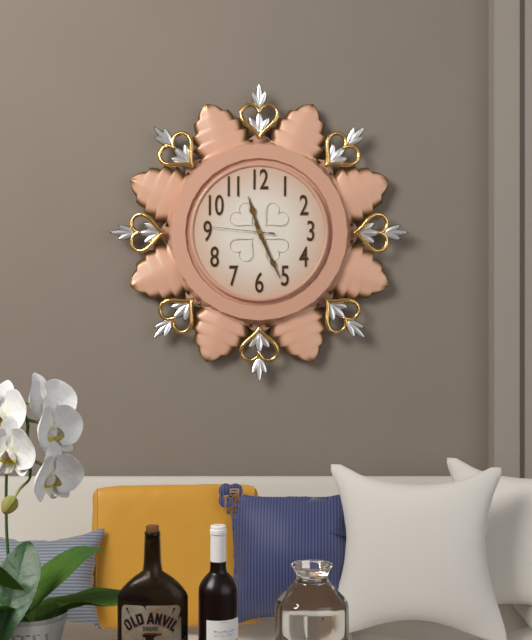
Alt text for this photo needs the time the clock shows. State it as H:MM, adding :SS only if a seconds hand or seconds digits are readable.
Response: 11:26:46
